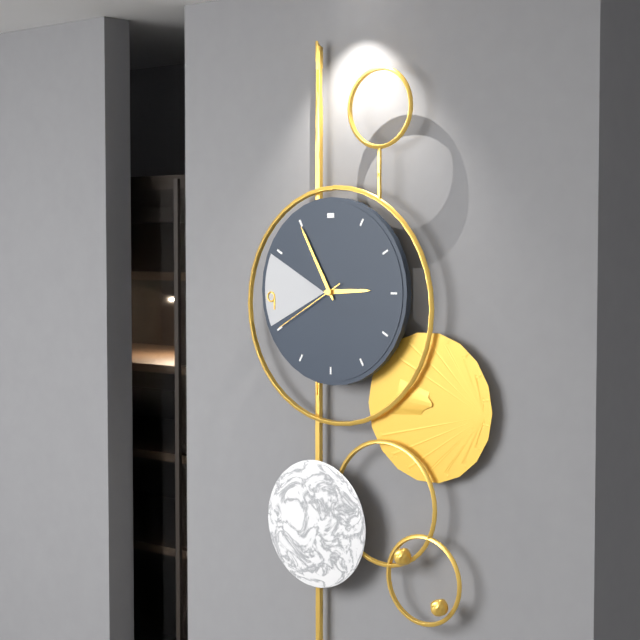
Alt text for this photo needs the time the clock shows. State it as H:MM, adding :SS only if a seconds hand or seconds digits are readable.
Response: 2:55:40
